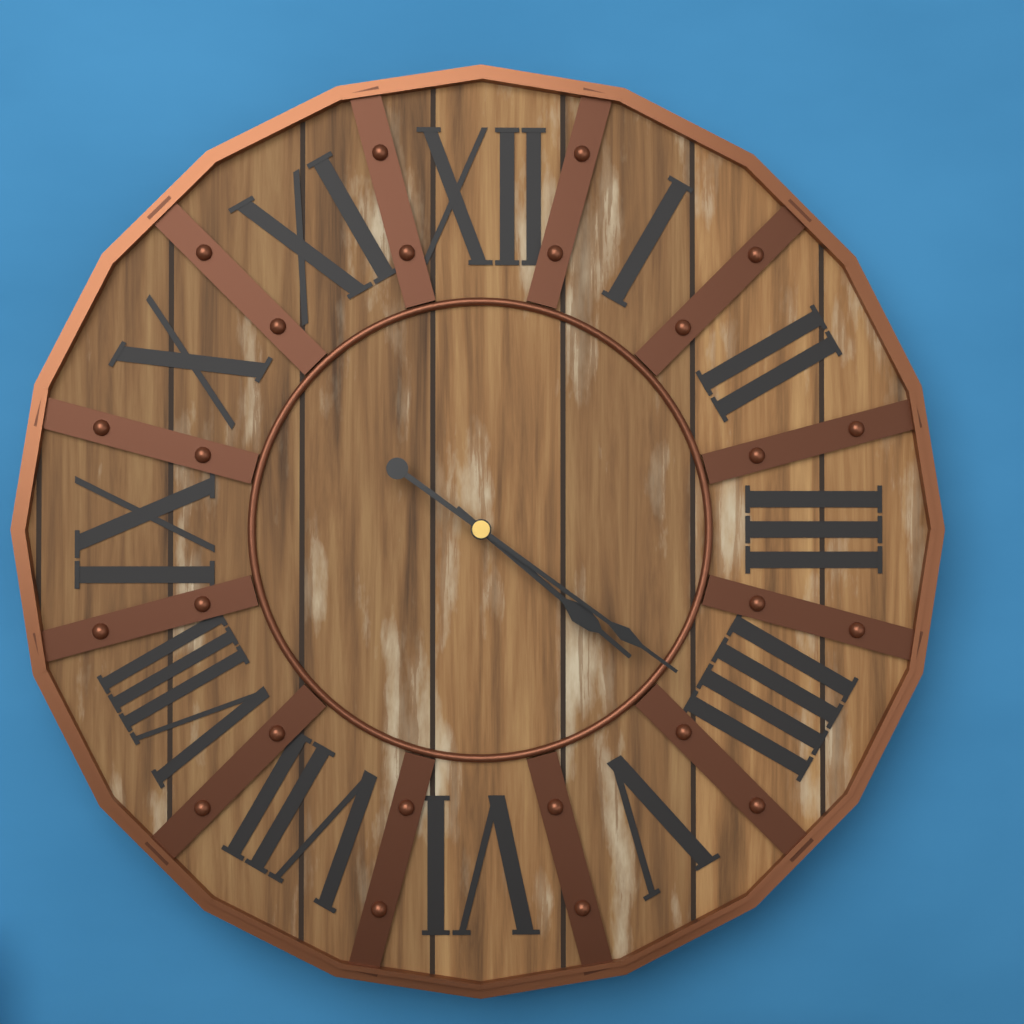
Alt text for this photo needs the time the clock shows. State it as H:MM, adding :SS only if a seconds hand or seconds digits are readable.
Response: 4:21
